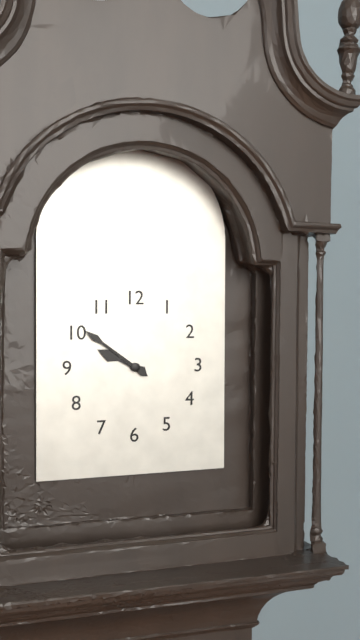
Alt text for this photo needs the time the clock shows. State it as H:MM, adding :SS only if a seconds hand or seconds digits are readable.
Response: 9:51
